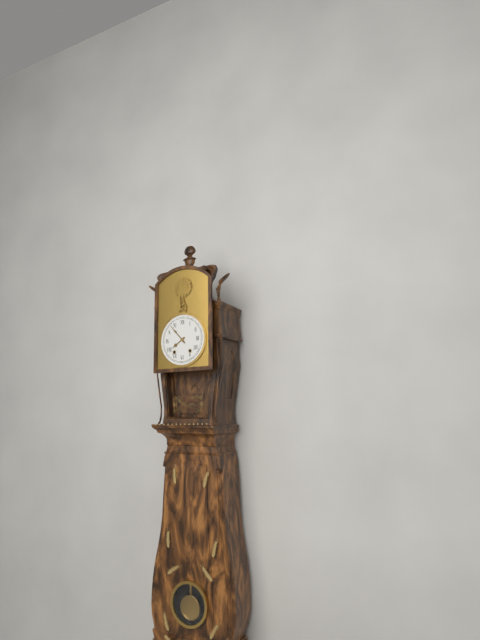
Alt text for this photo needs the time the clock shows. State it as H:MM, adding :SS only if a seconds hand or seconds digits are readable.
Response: 7:53
